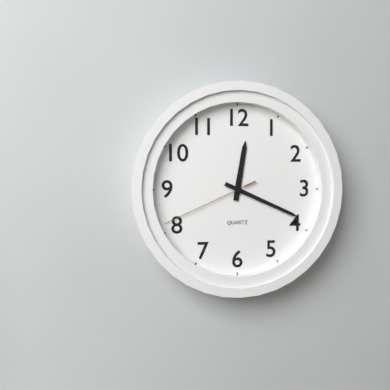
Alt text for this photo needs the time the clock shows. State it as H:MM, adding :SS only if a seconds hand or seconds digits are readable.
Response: 12:19:41
